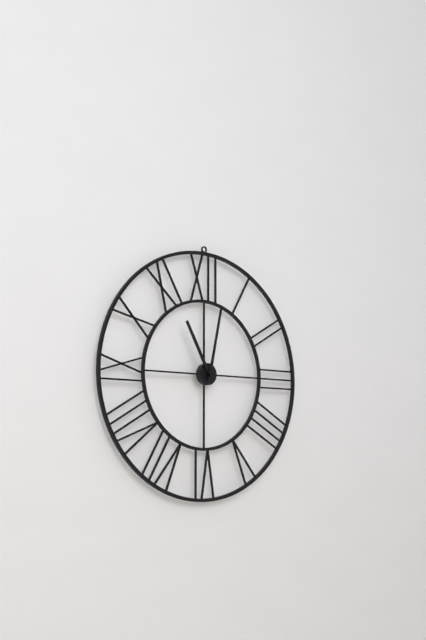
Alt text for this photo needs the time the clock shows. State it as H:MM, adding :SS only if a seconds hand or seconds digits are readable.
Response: 11:02
